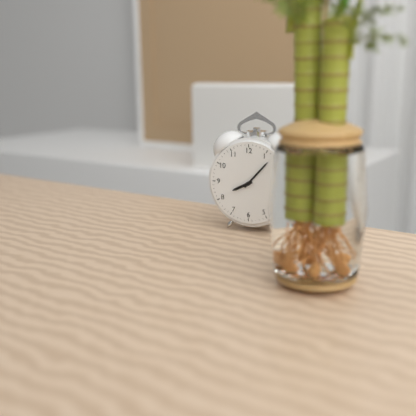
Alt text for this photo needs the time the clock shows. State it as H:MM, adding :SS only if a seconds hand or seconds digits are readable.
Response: 8:07
